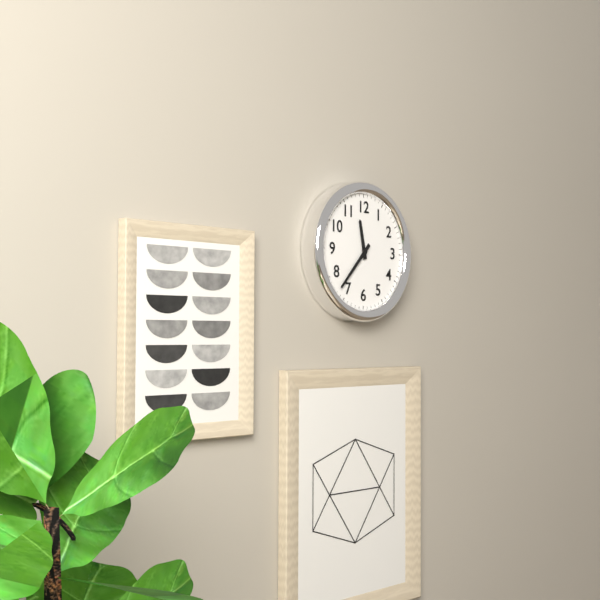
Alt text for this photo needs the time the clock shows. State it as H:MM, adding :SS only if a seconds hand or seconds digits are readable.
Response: 11:37
